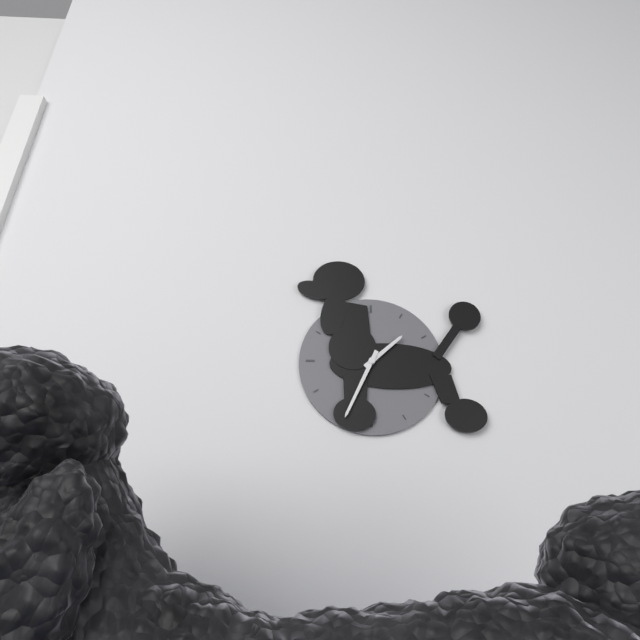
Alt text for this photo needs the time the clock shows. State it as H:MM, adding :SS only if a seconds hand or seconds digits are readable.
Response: 1:34
